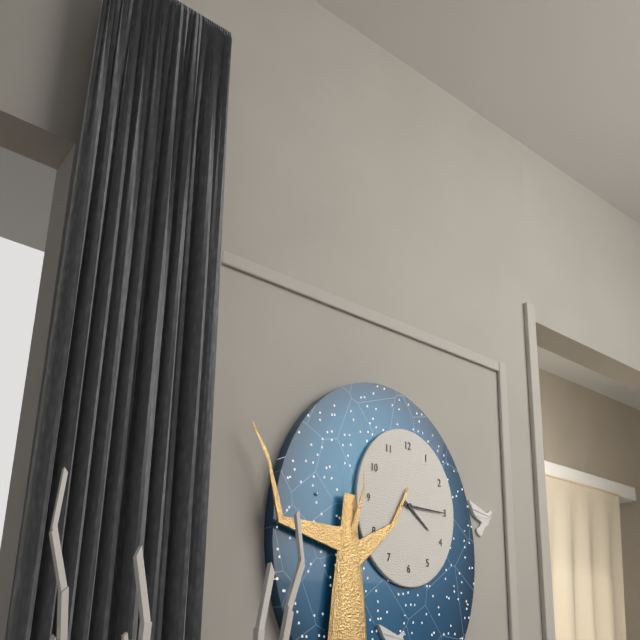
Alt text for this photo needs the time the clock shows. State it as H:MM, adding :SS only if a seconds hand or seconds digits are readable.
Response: 4:15
